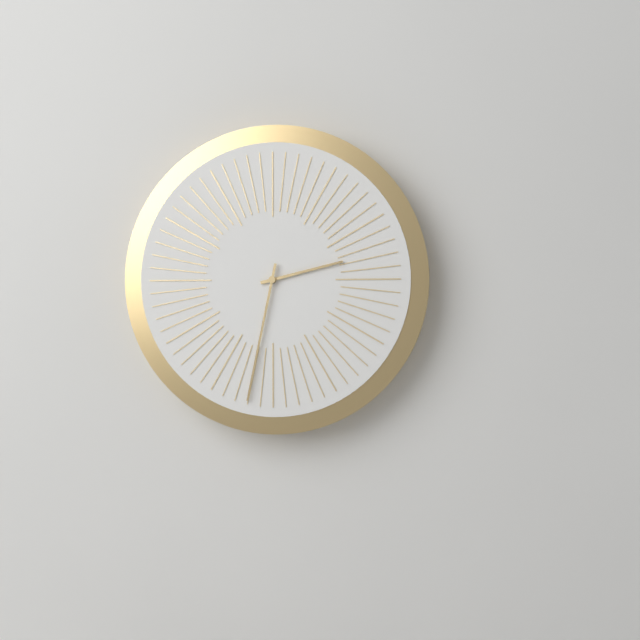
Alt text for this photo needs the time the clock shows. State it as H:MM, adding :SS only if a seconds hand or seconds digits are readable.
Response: 2:32
